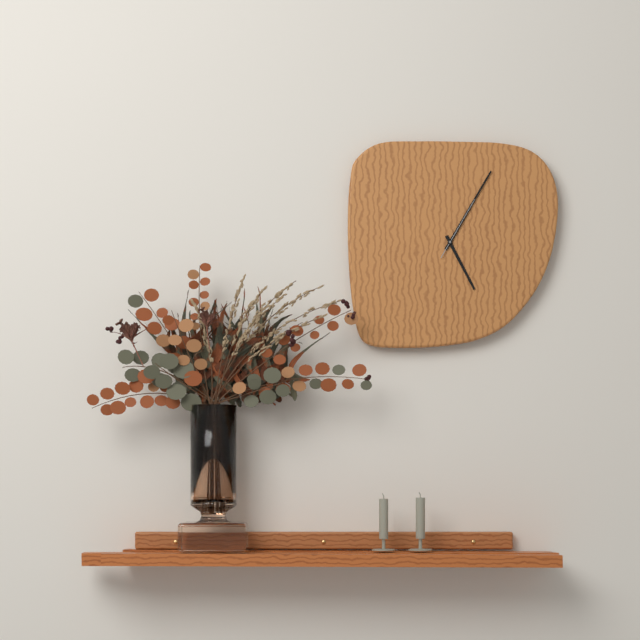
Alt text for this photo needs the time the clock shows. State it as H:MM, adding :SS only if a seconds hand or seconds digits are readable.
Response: 5:05:05
